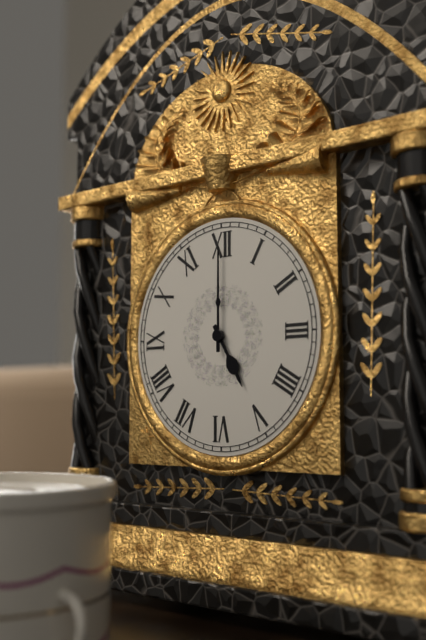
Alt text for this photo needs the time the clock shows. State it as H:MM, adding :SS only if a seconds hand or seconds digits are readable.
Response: 5:00
